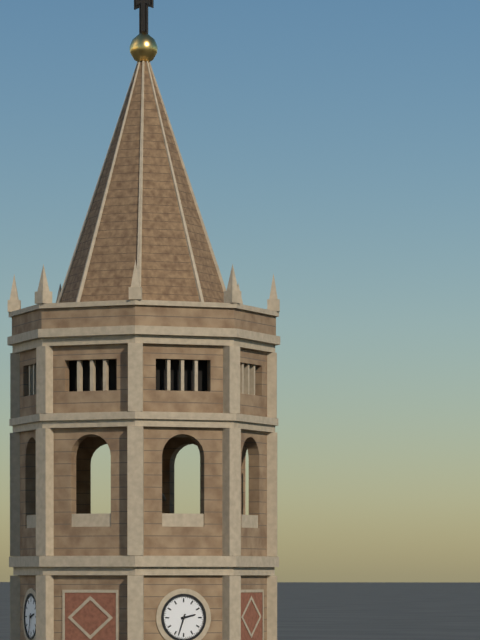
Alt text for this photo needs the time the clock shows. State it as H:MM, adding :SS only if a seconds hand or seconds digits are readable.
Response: 2:33
